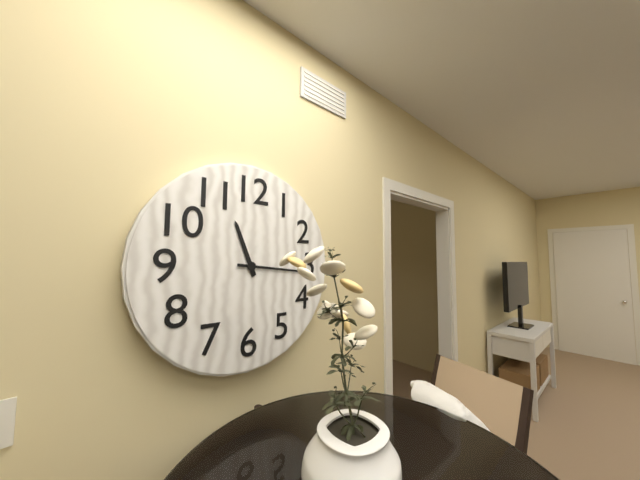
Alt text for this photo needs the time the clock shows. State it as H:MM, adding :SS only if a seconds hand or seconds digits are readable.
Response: 11:16
